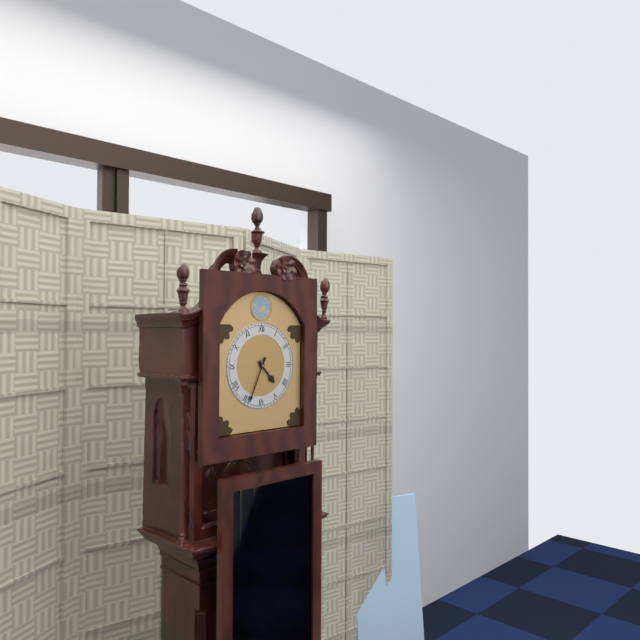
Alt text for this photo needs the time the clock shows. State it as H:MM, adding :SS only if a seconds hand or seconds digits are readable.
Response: 4:34
